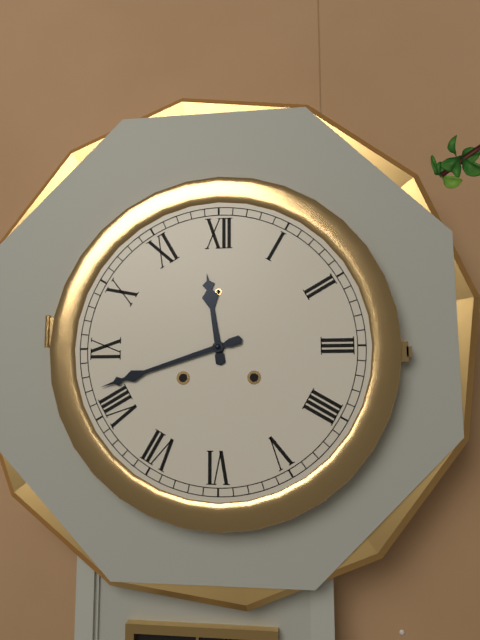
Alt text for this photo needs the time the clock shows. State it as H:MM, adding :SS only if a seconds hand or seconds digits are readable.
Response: 11:42
